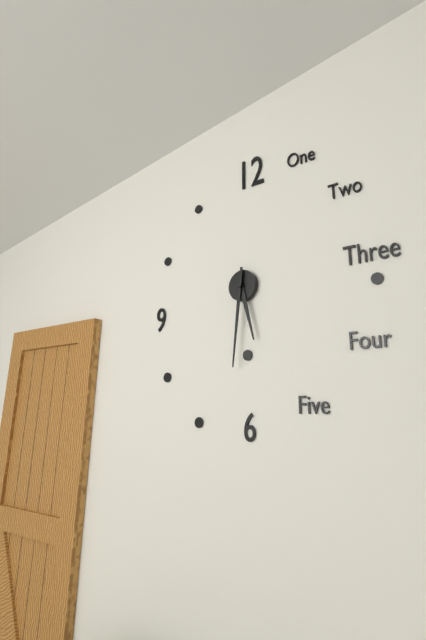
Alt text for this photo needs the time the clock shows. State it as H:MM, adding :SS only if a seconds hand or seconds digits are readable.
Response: 5:31
